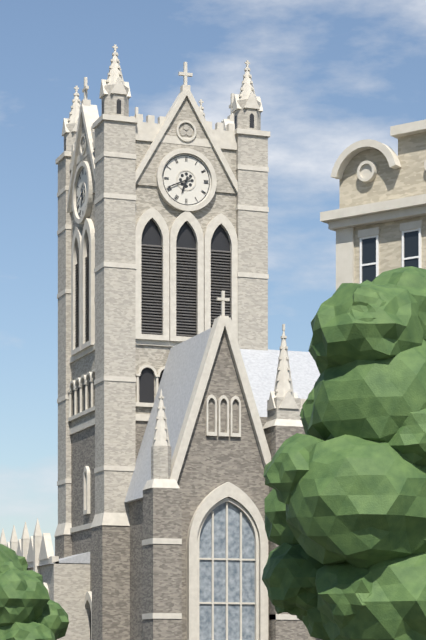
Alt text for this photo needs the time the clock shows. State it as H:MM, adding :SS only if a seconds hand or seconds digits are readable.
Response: 6:41
